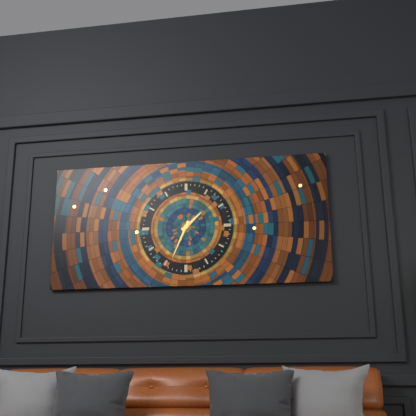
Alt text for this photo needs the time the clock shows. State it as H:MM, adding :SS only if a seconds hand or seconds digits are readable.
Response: 1:34
